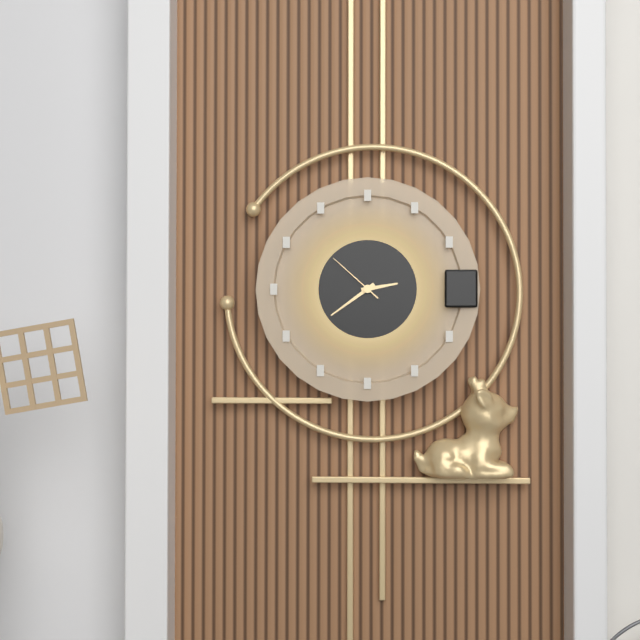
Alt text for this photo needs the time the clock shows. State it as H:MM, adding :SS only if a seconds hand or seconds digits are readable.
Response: 2:39:52
